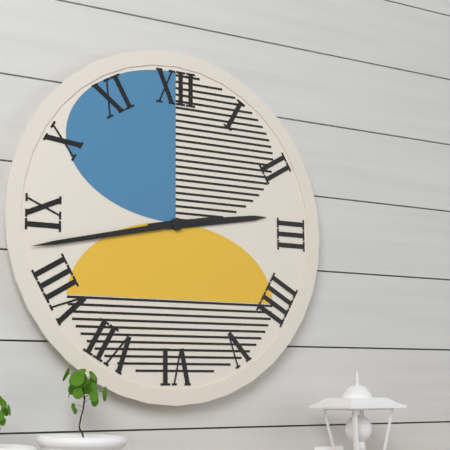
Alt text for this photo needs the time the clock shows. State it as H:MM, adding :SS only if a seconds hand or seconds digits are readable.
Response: 2:43
